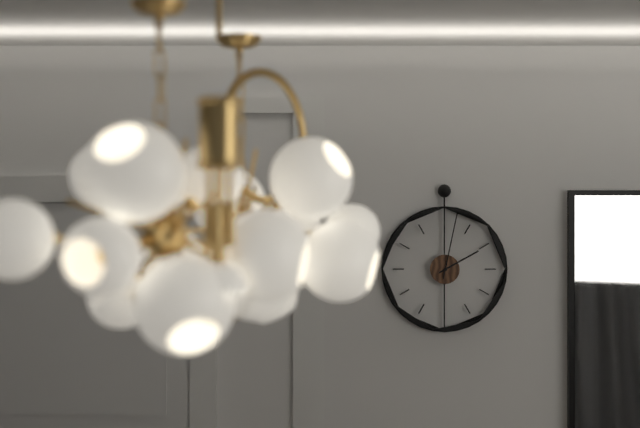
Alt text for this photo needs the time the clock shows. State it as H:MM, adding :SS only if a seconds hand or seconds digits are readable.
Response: 2:02
